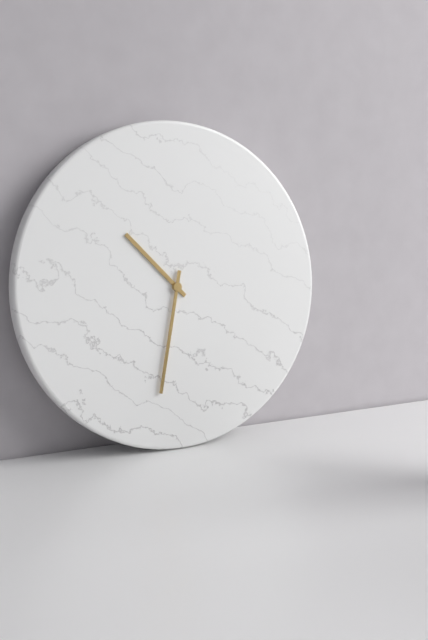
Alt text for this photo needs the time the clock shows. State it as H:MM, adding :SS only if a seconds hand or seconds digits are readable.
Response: 10:32
